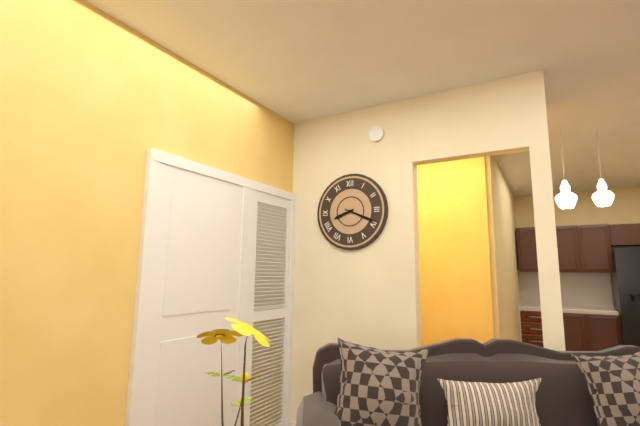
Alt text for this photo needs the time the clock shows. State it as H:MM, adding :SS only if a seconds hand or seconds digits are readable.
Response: 8:19
